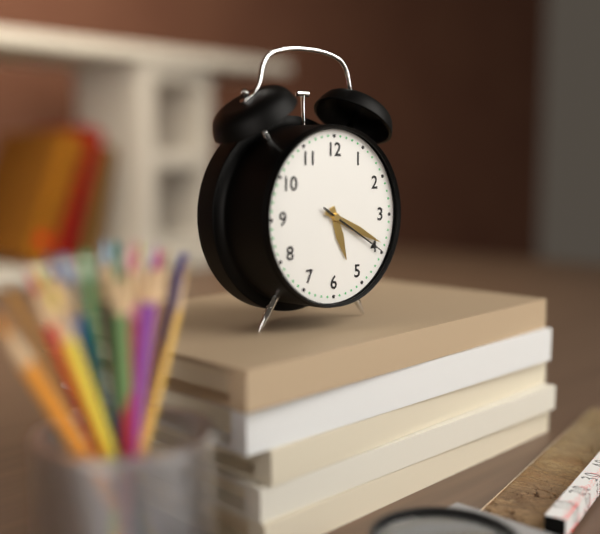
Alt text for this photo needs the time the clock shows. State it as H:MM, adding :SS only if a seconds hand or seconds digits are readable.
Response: 5:19:20
